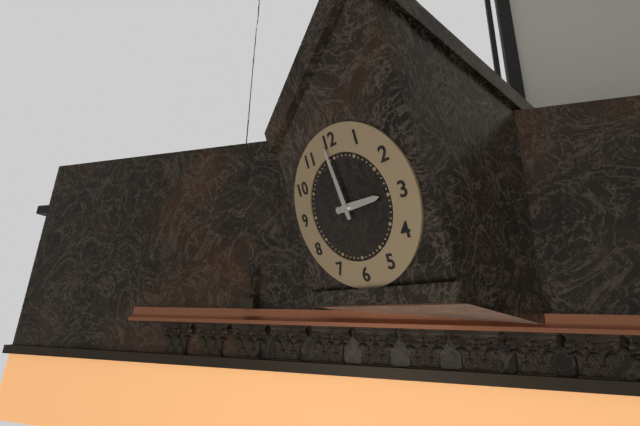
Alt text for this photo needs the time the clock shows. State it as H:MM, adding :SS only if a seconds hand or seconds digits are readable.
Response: 2:59
